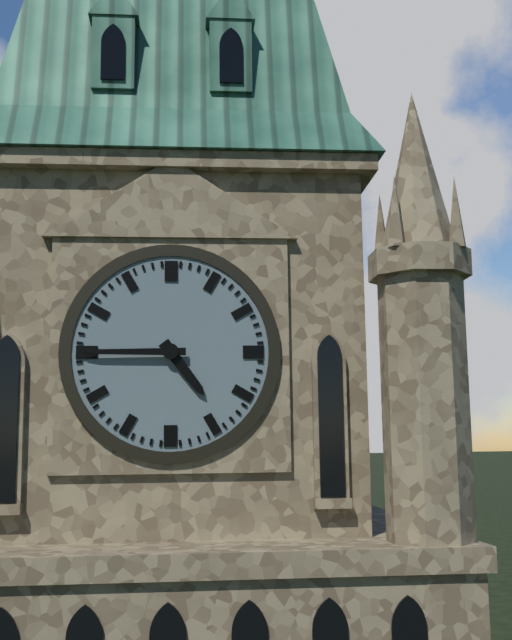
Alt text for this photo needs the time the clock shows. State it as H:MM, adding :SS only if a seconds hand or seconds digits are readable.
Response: 4:45
